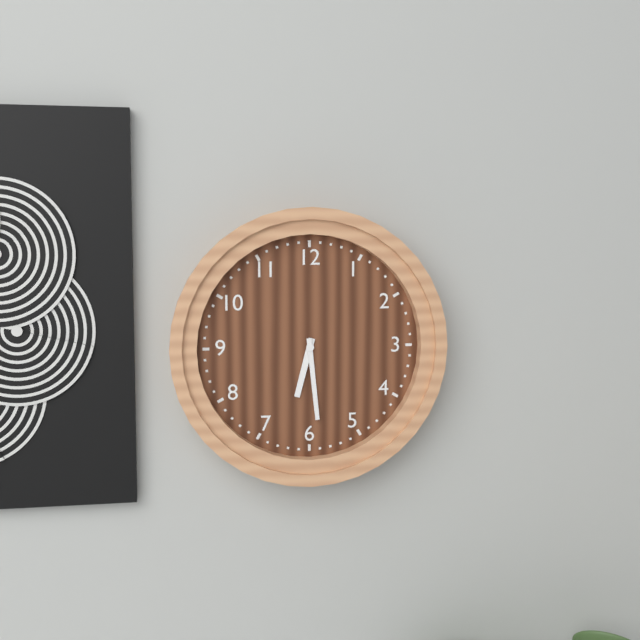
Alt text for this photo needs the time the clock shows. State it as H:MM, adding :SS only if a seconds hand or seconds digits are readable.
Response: 6:29
